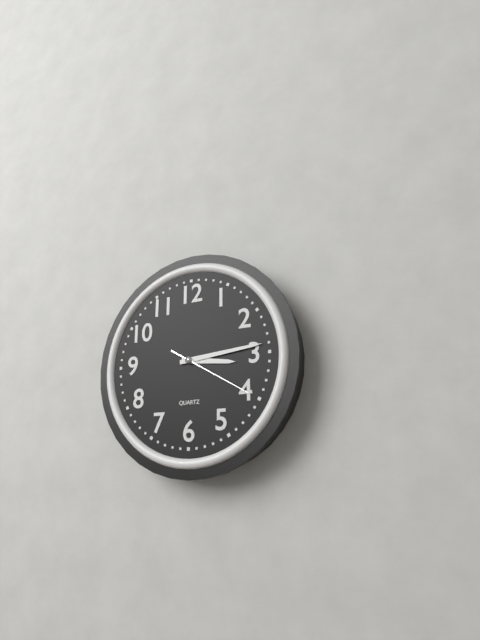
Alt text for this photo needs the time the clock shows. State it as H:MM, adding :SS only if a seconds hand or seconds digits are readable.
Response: 3:14:20
